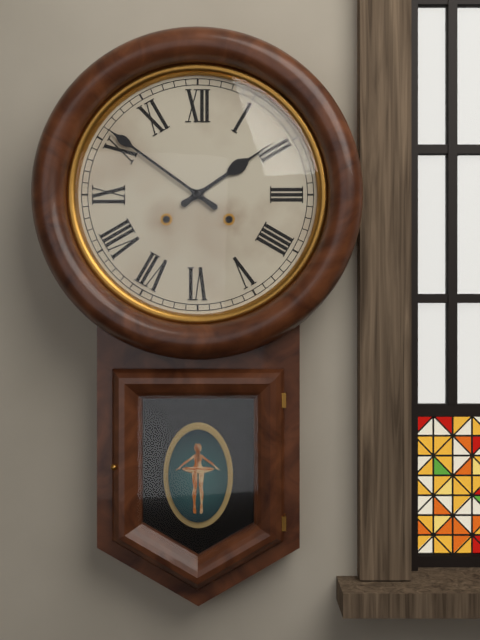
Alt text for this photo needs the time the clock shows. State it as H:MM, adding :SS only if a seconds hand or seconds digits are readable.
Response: 1:51
